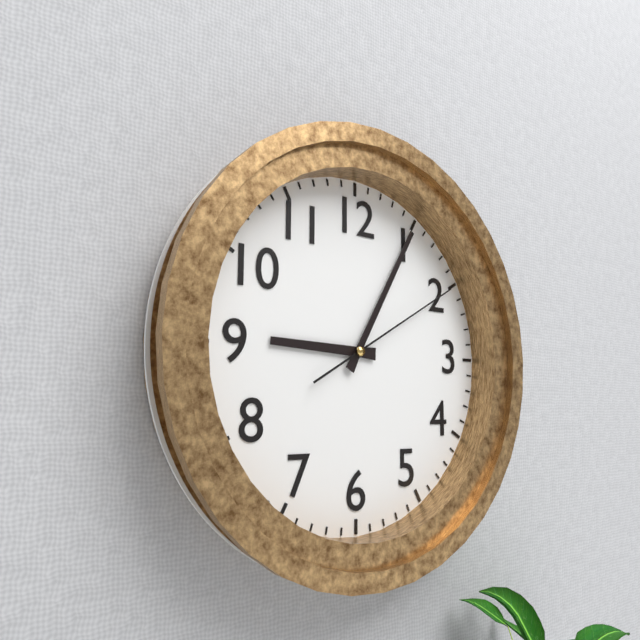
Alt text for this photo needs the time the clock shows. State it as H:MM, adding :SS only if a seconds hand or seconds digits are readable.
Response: 9:05:10
